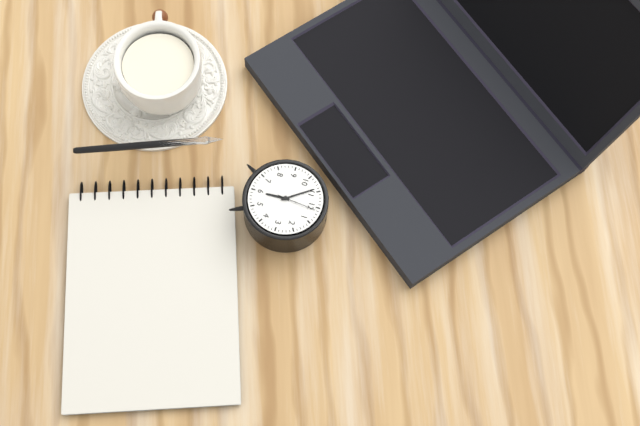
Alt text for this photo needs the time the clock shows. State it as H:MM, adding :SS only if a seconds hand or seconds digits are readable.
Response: 5:54
